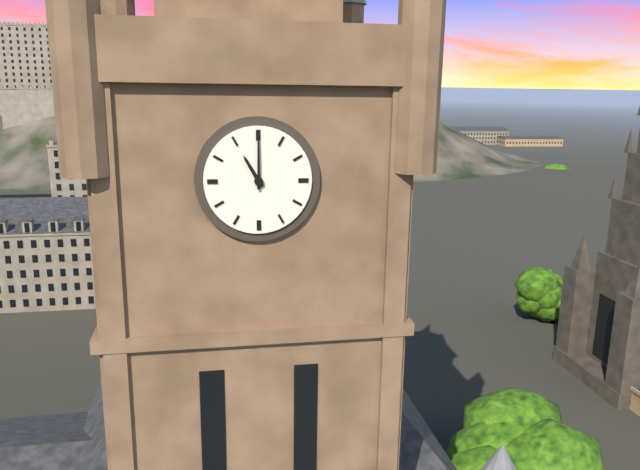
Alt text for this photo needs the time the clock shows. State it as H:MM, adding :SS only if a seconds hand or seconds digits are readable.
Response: 11:00
